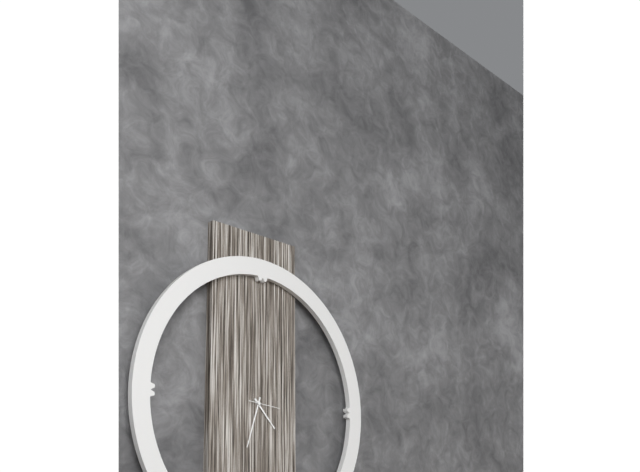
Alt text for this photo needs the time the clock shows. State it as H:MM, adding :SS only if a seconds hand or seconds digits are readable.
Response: 4:33
